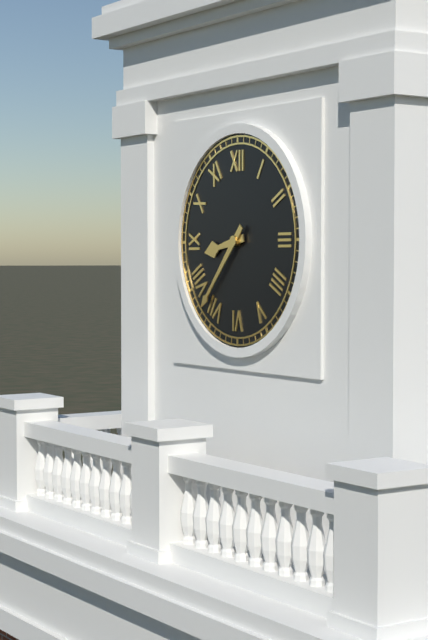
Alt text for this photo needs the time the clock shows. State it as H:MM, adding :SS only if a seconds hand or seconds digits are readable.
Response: 8:37
